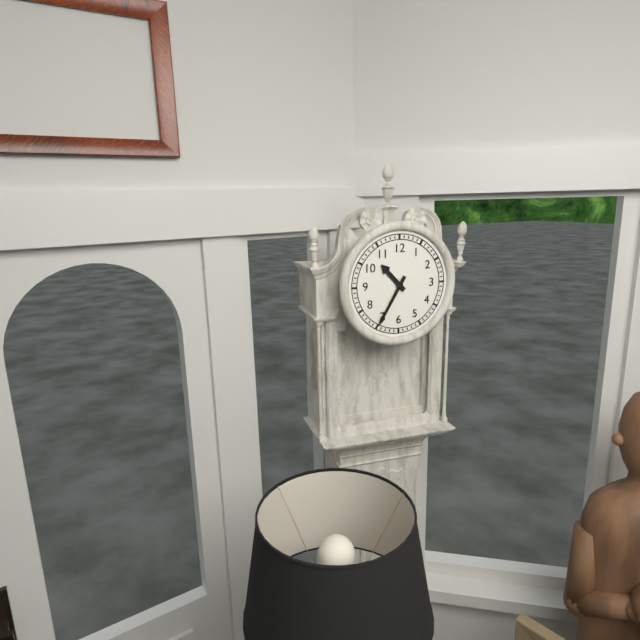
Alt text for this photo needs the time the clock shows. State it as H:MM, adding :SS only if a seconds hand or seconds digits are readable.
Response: 10:35
